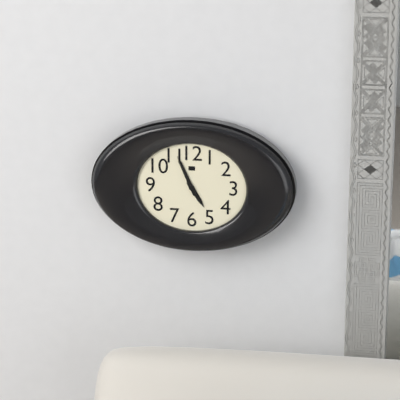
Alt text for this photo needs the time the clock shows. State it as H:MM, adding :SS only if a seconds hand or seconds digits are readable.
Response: 4:56
